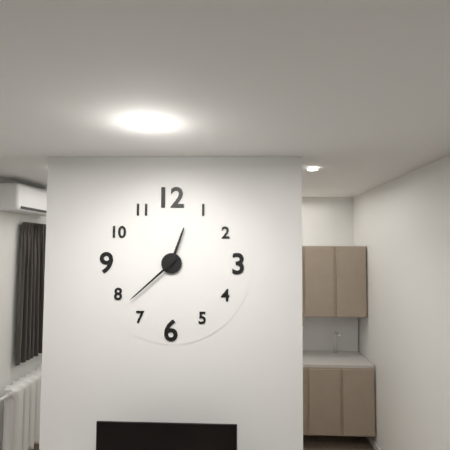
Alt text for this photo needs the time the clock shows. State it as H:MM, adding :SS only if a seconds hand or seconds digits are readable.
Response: 12:38
